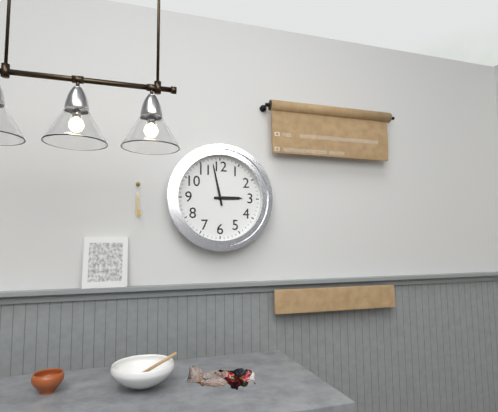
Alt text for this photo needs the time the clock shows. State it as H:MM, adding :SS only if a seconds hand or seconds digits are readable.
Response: 2:58
